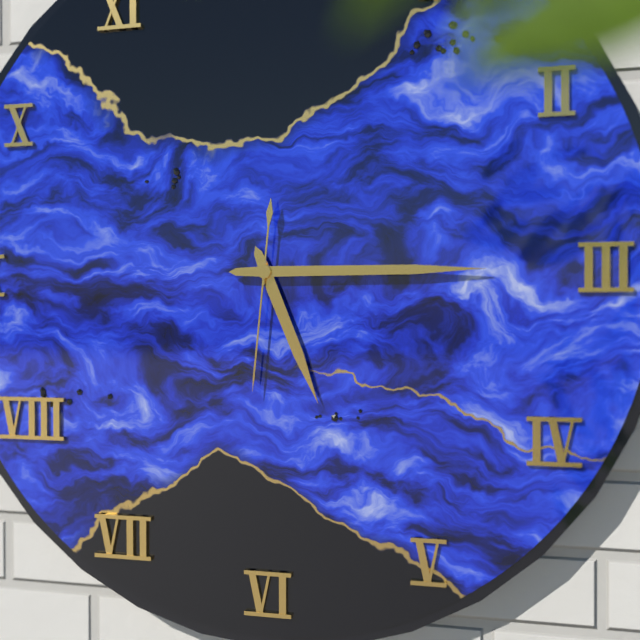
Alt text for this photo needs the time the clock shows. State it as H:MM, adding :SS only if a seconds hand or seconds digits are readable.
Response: 5:15:31
